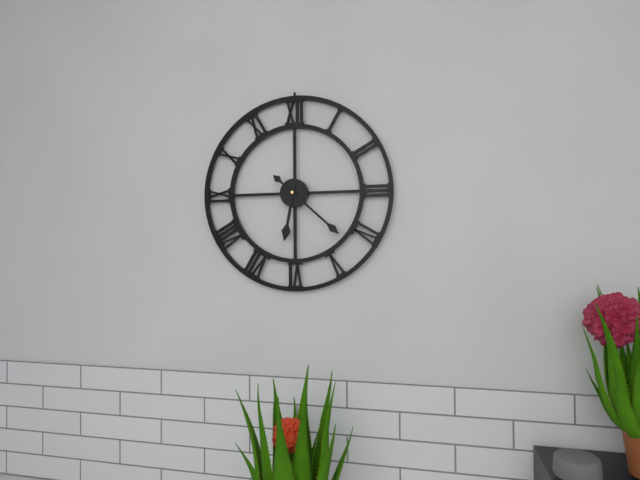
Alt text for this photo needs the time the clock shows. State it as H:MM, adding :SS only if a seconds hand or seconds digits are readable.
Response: 6:22
